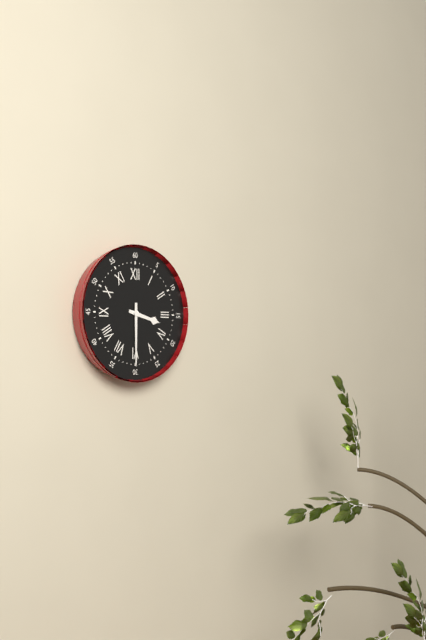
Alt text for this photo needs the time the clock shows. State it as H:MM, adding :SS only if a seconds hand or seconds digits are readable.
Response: 3:30
